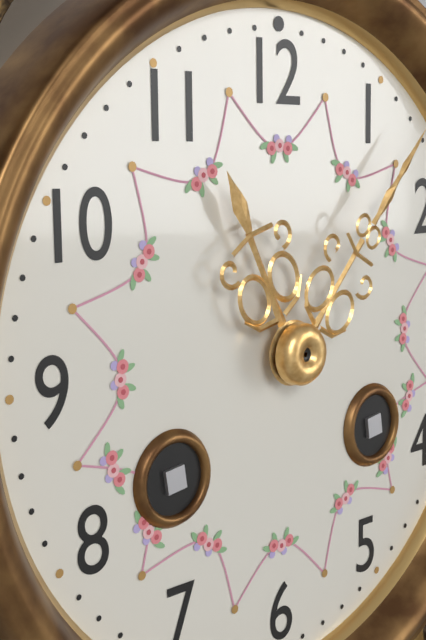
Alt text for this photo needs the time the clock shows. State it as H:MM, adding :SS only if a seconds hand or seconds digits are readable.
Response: 11:07
